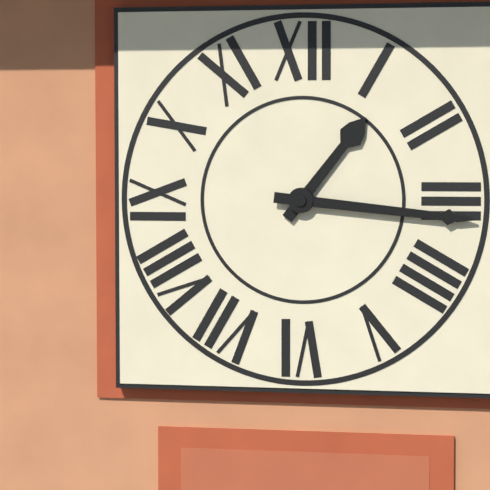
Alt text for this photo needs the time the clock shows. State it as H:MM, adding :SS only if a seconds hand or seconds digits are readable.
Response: 1:16
